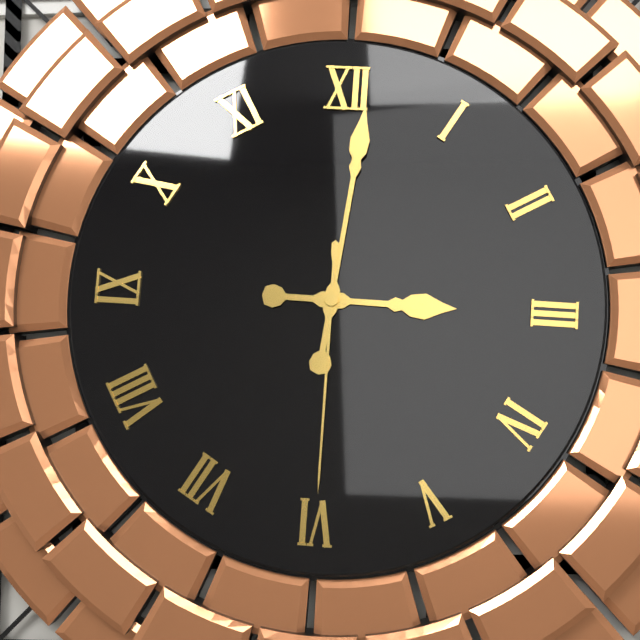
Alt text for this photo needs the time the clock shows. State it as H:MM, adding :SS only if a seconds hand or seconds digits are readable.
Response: 3:01:30
